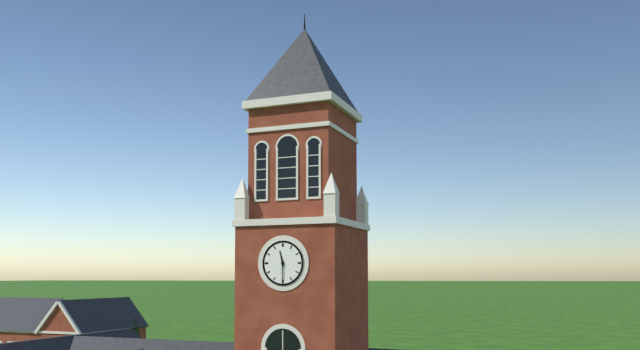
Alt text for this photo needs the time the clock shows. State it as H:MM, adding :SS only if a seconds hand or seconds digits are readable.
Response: 11:30
